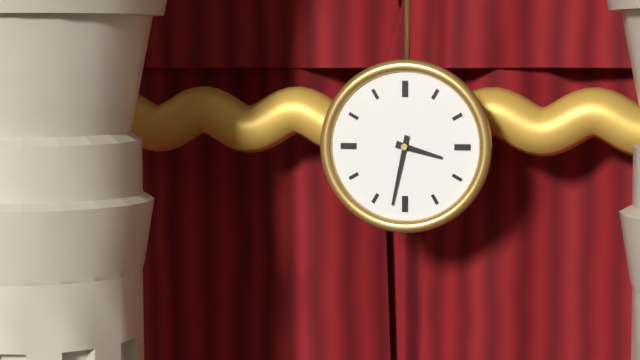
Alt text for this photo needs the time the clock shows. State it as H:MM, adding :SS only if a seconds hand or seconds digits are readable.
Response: 3:32
